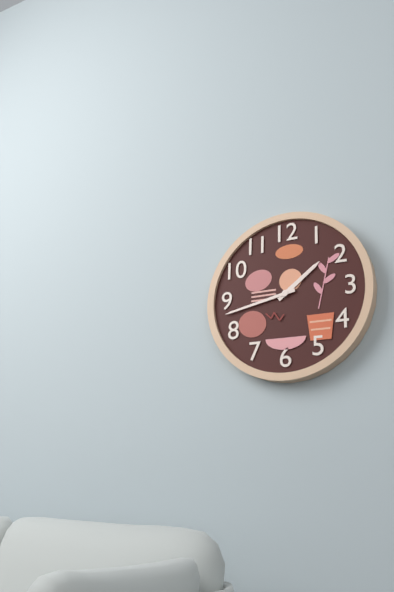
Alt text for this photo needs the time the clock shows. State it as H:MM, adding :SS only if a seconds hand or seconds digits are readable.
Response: 1:43
